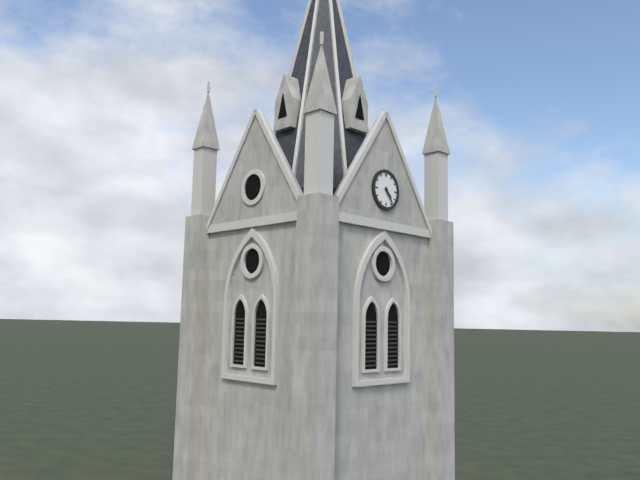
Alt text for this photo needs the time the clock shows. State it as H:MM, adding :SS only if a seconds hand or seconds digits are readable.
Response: 4:24
